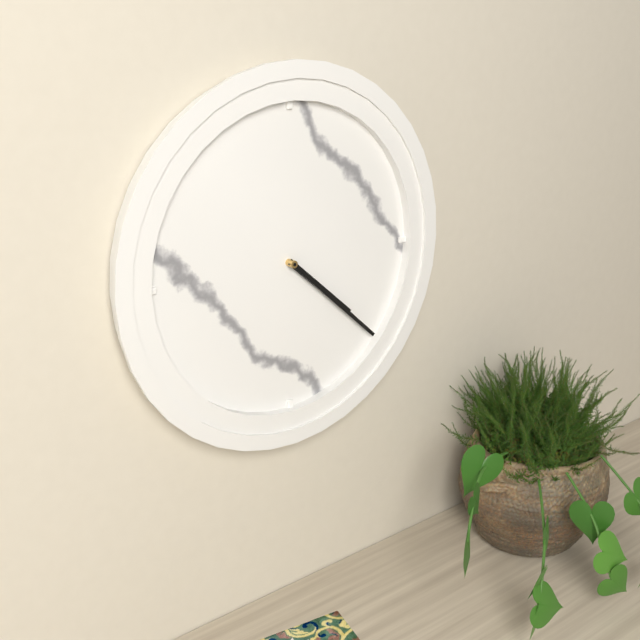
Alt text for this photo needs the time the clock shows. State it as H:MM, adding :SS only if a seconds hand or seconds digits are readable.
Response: 4:22
